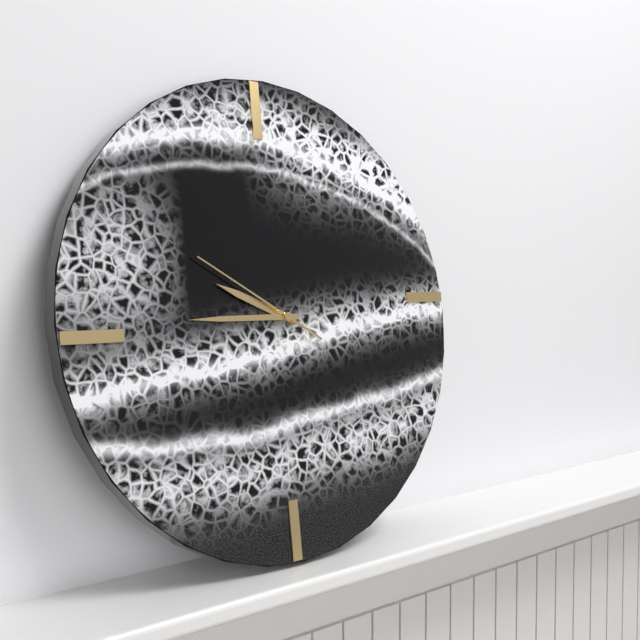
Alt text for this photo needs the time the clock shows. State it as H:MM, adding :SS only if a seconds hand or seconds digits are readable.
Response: 9:45:50
